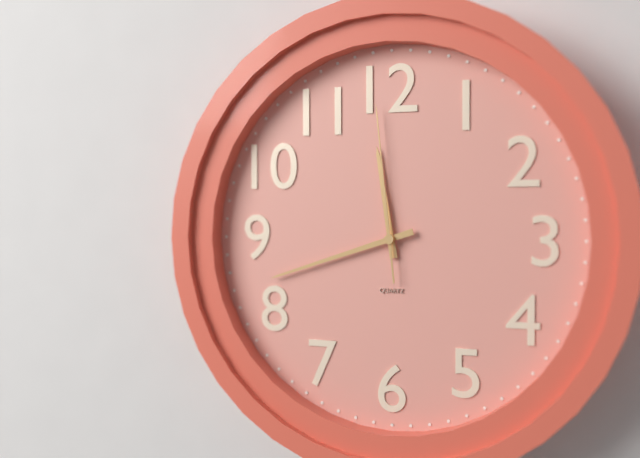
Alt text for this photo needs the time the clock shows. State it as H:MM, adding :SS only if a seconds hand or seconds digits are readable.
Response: 11:42:59
